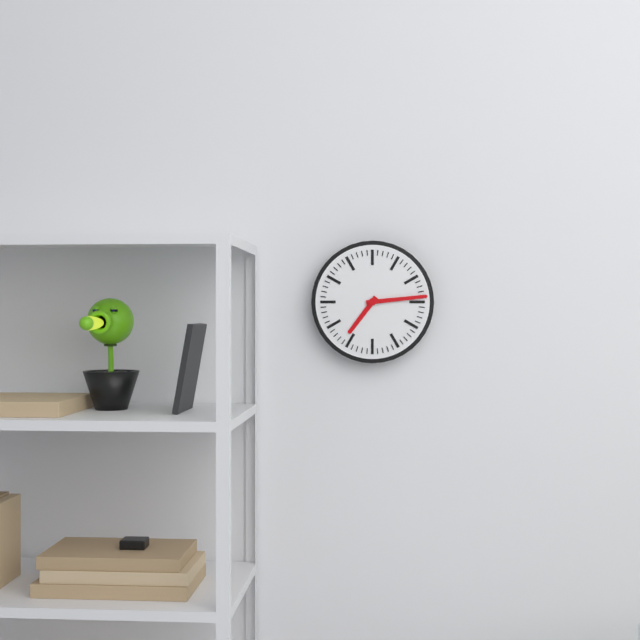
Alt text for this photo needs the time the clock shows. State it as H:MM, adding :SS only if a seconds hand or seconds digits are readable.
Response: 7:14
